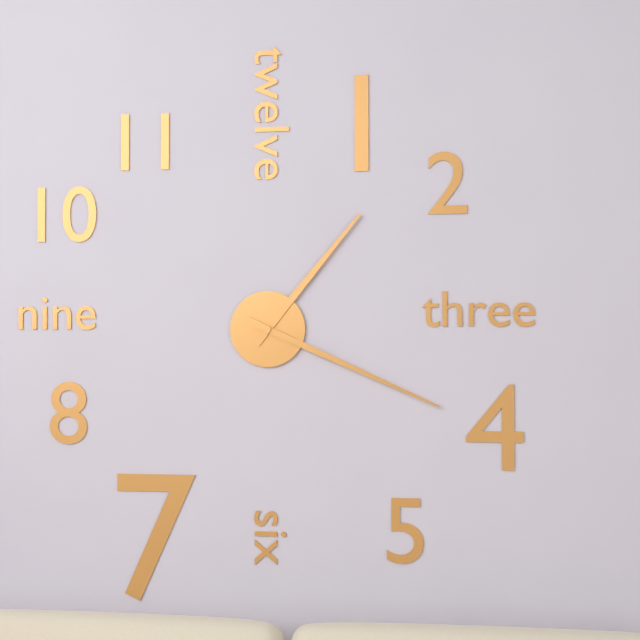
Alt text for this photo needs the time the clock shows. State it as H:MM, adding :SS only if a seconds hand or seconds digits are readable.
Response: 1:19
